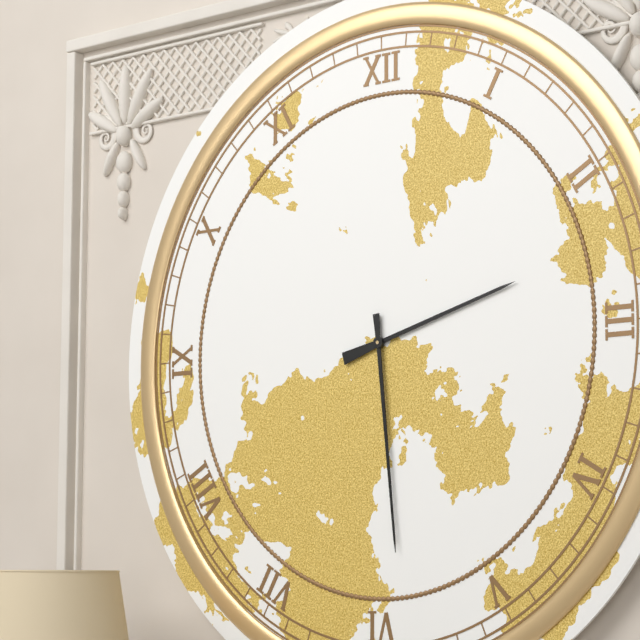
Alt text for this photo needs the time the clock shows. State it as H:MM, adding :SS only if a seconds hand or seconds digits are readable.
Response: 2:29
